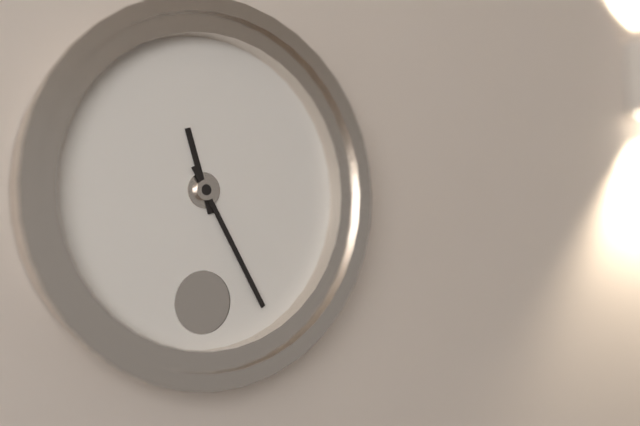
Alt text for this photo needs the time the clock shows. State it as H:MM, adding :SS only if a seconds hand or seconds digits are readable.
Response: 11:25
